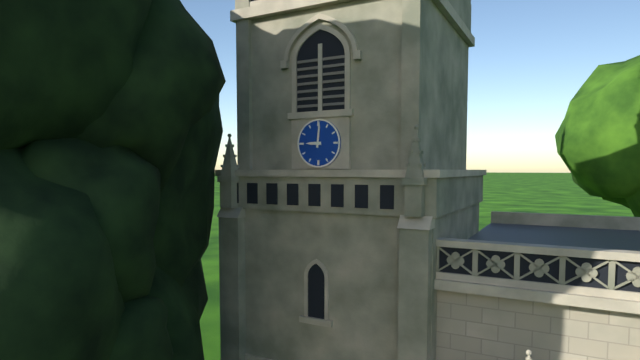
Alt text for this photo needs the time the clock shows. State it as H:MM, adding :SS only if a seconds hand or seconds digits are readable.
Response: 9:01
